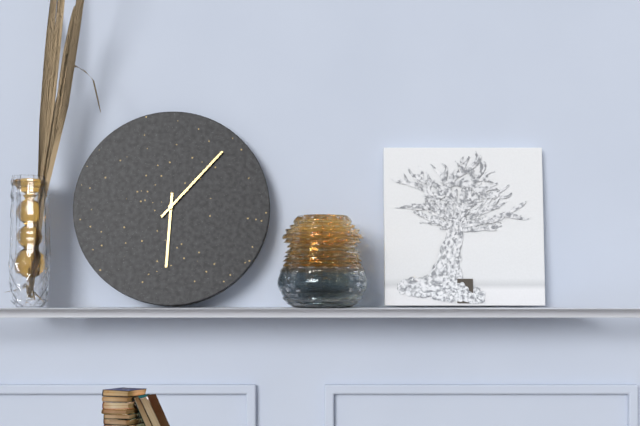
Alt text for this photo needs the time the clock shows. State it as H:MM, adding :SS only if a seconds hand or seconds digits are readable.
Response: 6:07
